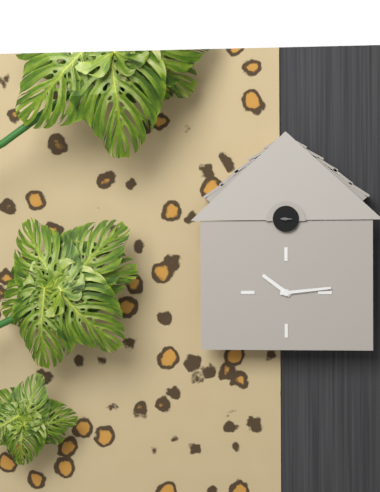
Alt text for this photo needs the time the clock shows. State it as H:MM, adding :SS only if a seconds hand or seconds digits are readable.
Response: 10:14
